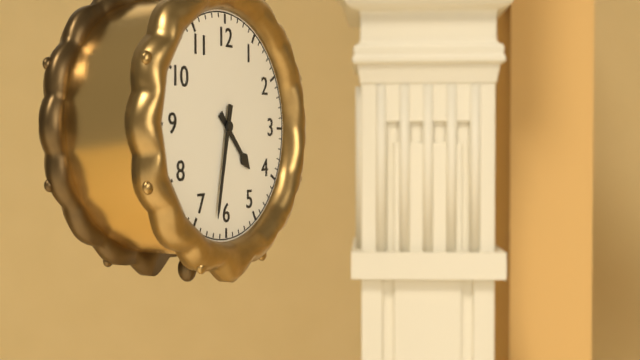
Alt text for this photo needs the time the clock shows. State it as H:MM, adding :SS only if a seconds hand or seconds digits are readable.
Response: 4:32
